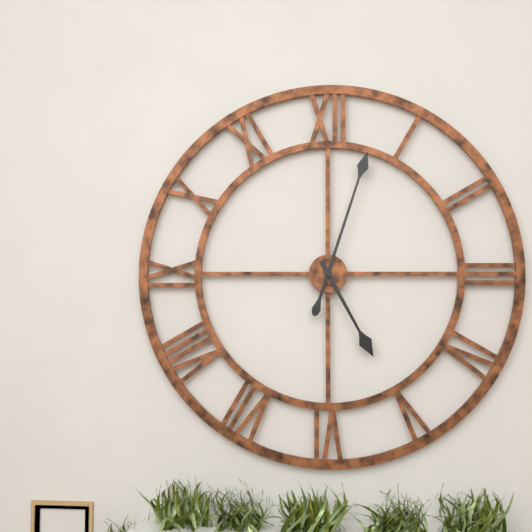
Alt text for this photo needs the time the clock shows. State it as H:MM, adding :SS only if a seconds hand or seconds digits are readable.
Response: 5:03
